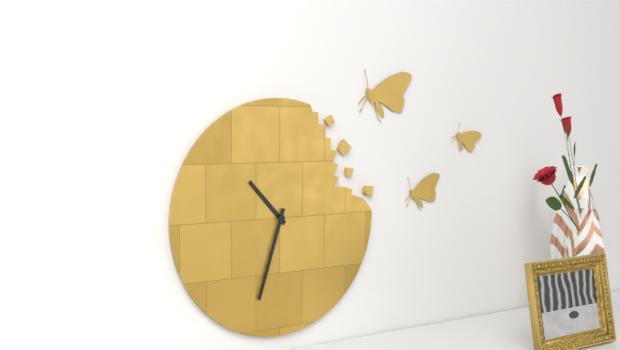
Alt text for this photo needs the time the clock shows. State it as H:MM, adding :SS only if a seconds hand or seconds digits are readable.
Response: 10:33
